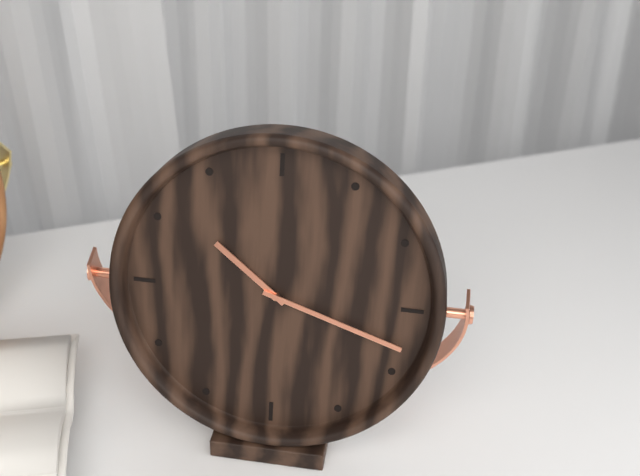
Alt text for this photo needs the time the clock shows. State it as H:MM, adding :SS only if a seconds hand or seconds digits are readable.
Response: 10:18
